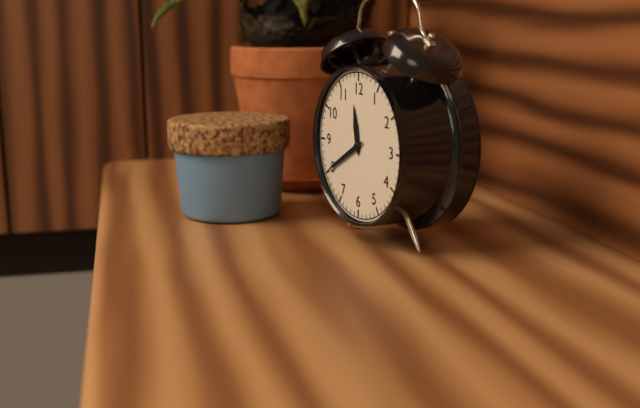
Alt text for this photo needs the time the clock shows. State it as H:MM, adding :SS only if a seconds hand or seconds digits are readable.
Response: 11:40
